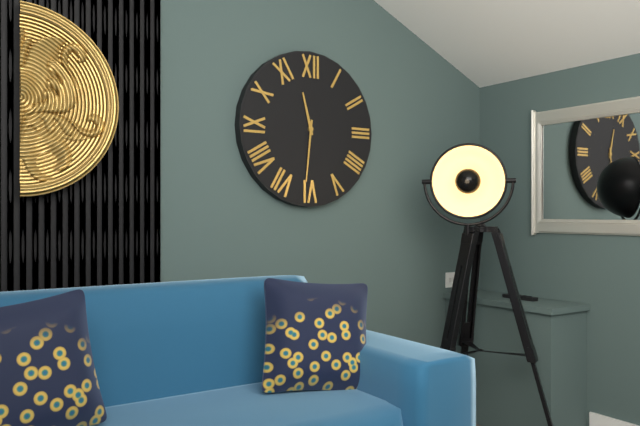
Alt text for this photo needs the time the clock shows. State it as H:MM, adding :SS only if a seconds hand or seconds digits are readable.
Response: 11:31
